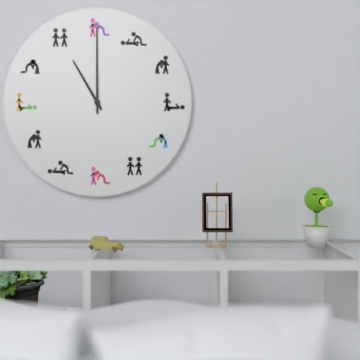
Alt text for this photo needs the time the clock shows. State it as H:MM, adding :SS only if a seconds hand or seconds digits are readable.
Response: 11:00
